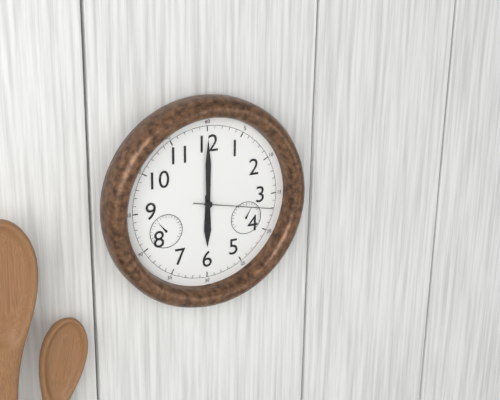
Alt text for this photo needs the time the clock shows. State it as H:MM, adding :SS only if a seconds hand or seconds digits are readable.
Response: 6:00:17
